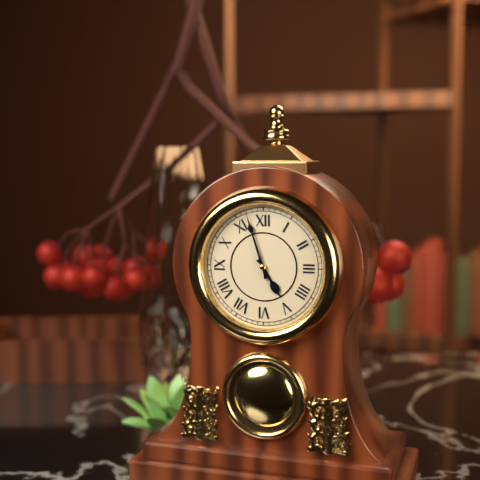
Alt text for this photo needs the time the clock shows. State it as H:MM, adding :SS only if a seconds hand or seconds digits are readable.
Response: 4:57
